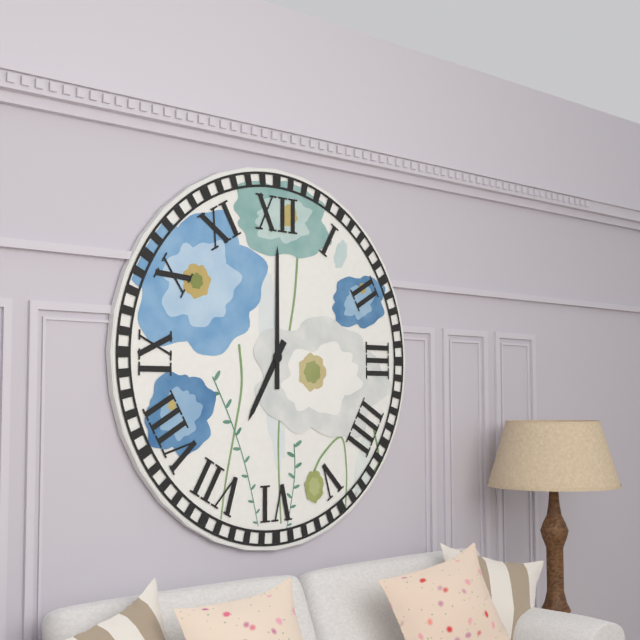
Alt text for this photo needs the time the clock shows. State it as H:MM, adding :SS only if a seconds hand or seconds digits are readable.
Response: 7:00
